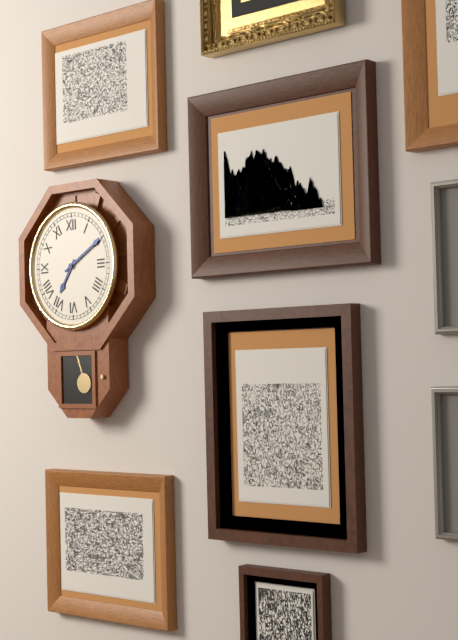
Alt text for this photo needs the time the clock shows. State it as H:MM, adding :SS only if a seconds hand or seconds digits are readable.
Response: 7:10
